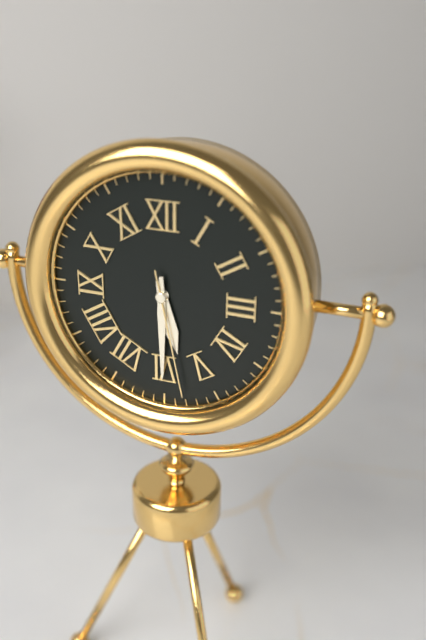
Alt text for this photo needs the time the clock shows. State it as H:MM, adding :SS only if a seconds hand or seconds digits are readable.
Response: 5:30:28
